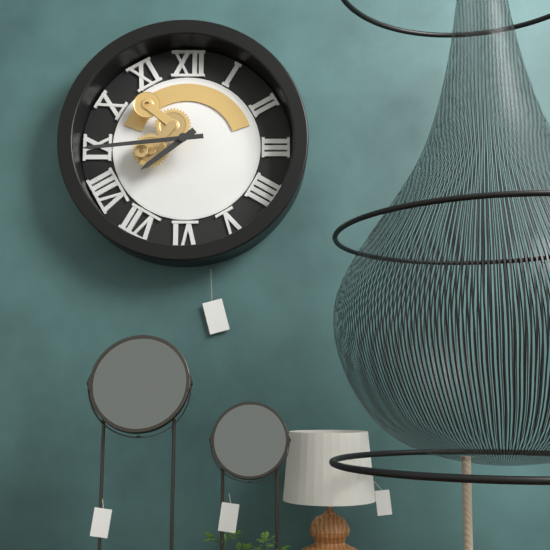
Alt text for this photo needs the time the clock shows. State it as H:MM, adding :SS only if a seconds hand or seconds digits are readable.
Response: 7:44
